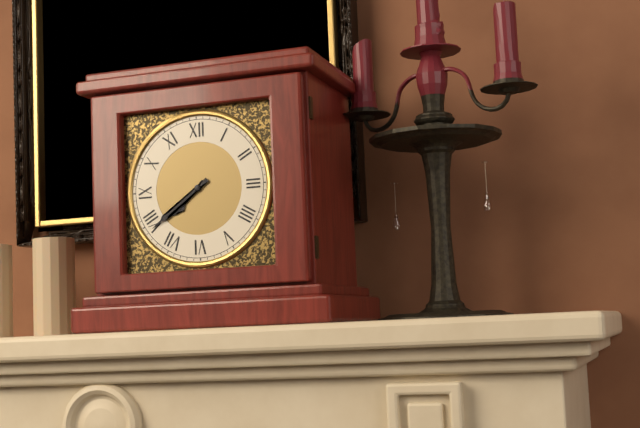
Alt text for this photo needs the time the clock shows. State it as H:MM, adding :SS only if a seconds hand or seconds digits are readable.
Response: 7:39
